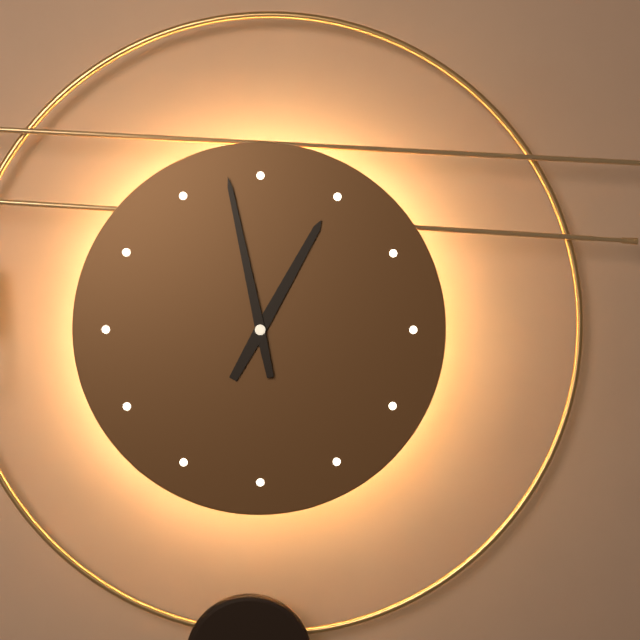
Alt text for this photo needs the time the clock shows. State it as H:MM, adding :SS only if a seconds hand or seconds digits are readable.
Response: 12:58
